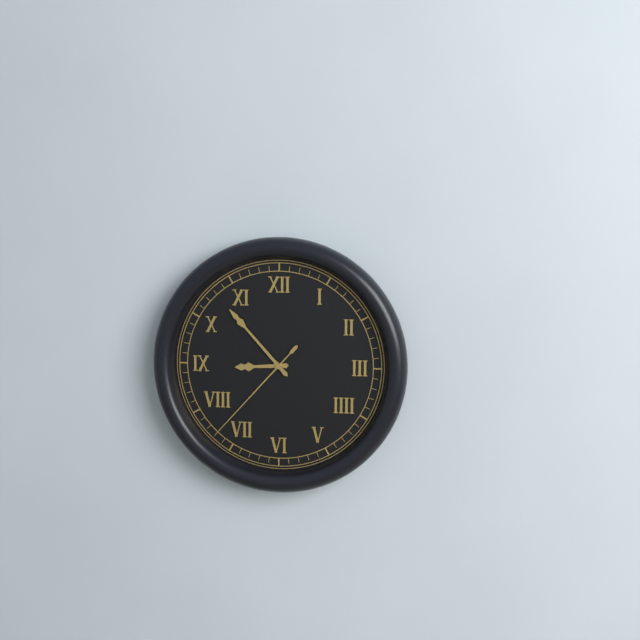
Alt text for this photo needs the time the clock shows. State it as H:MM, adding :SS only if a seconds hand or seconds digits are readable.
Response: 8:53:37
